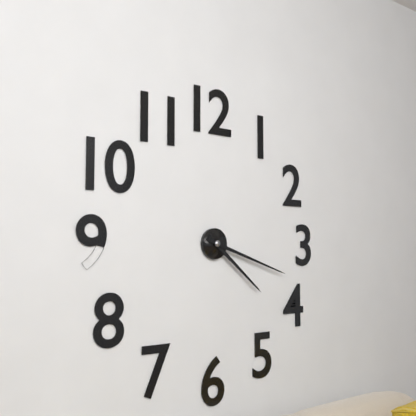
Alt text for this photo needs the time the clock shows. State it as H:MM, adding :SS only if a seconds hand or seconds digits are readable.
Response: 4:18
